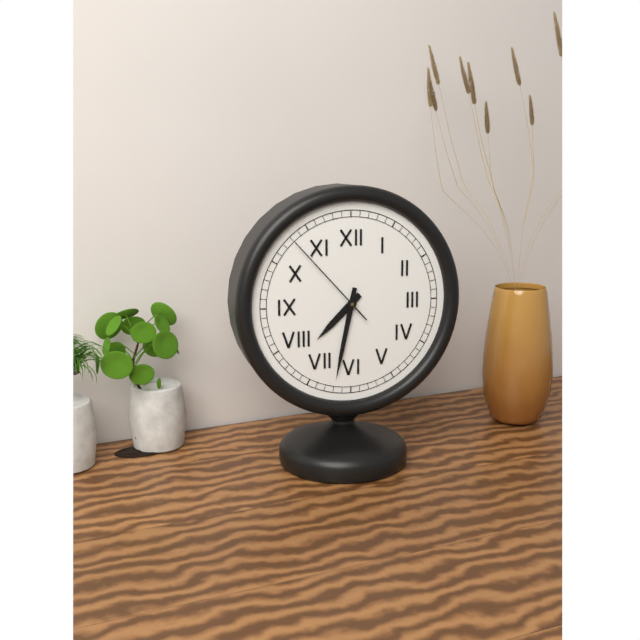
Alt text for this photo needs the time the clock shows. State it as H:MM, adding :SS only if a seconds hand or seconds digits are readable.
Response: 7:32:53
